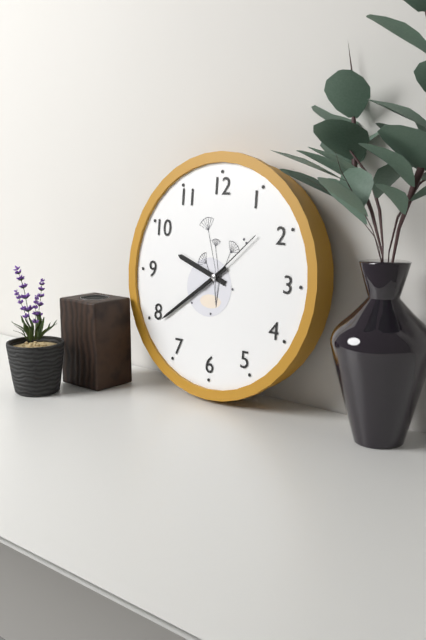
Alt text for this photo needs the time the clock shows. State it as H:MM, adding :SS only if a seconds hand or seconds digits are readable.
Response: 9:39:08
